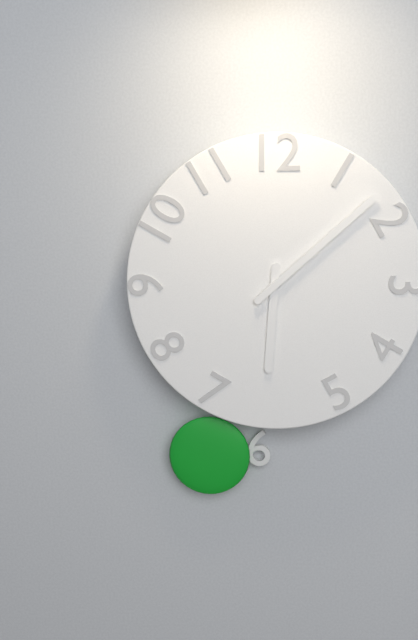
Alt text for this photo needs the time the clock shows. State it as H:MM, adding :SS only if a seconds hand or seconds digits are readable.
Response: 6:08
